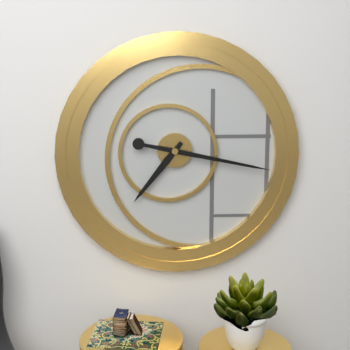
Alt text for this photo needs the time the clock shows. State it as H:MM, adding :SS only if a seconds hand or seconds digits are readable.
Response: 7:17
